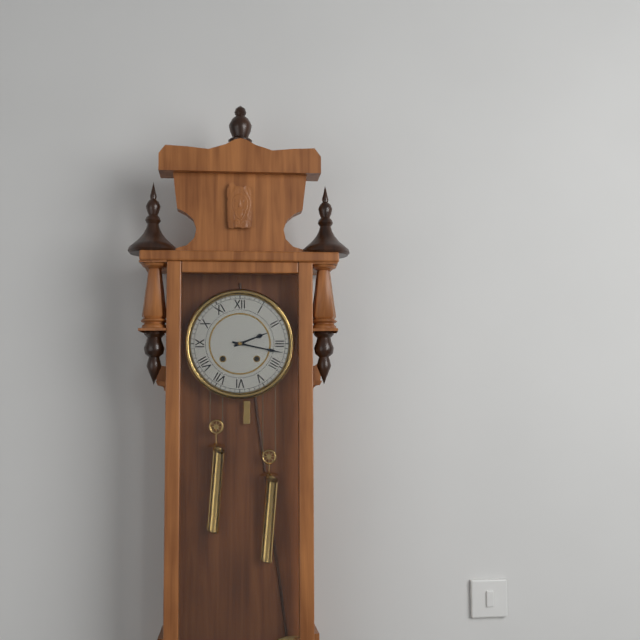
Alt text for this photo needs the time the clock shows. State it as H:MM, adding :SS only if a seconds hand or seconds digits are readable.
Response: 2:17
